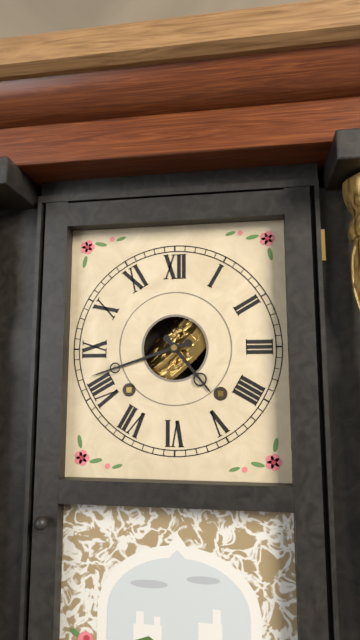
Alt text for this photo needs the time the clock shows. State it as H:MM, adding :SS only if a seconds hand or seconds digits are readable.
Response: 4:42
